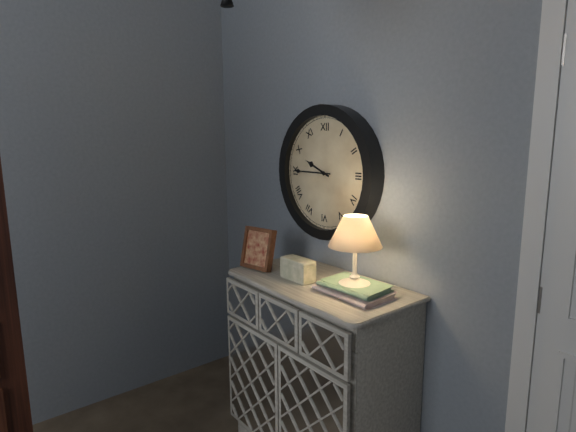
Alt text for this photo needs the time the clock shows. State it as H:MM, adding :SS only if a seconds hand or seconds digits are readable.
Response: 9:45
